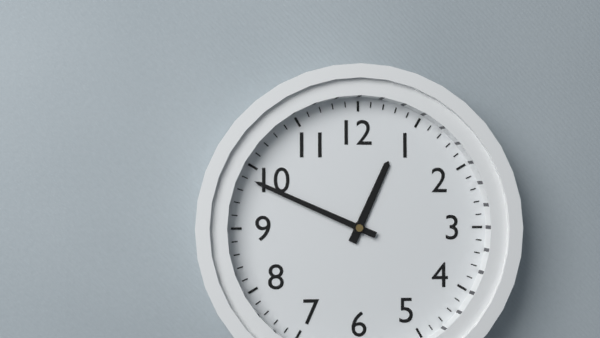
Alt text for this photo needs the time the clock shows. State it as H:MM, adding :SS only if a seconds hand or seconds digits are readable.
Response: 12:49
